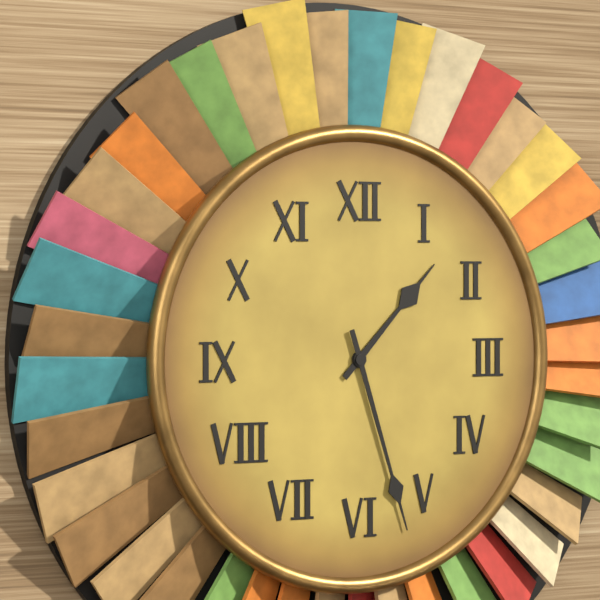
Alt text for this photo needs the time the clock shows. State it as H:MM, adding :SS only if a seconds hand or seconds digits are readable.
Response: 1:27
